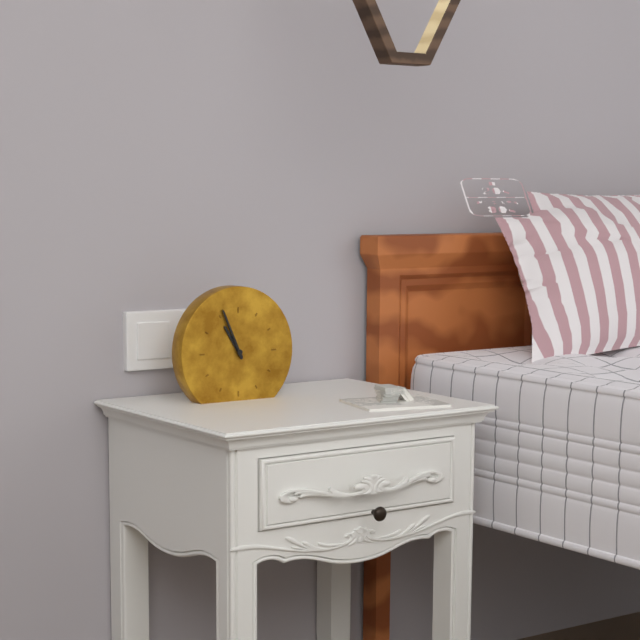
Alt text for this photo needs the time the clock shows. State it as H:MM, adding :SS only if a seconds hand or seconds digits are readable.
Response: 10:56
